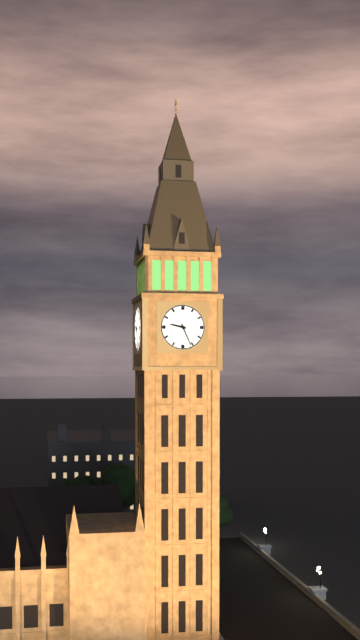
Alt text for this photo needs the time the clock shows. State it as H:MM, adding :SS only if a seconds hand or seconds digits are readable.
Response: 9:26
